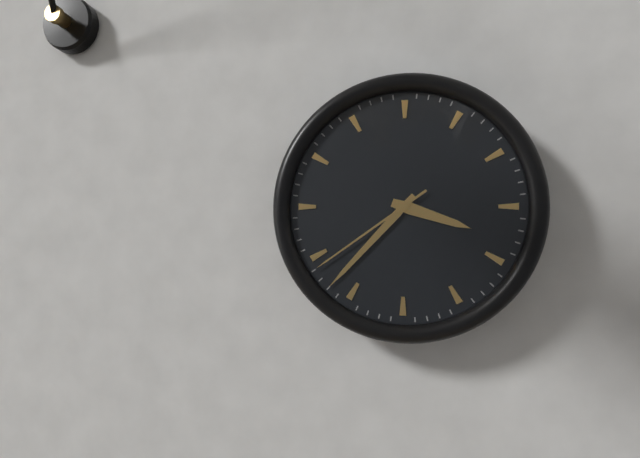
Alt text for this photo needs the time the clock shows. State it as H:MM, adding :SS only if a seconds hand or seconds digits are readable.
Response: 3:37:39
